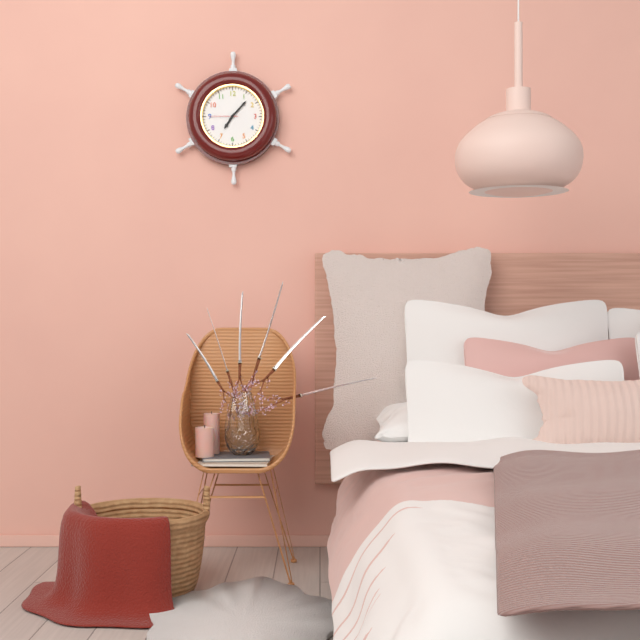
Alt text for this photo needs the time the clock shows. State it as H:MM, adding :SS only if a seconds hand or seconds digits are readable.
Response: 7:07
